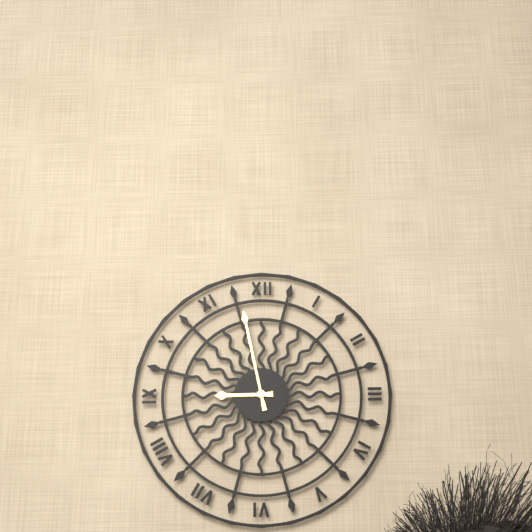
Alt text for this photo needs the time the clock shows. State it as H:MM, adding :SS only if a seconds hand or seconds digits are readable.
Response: 8:58
